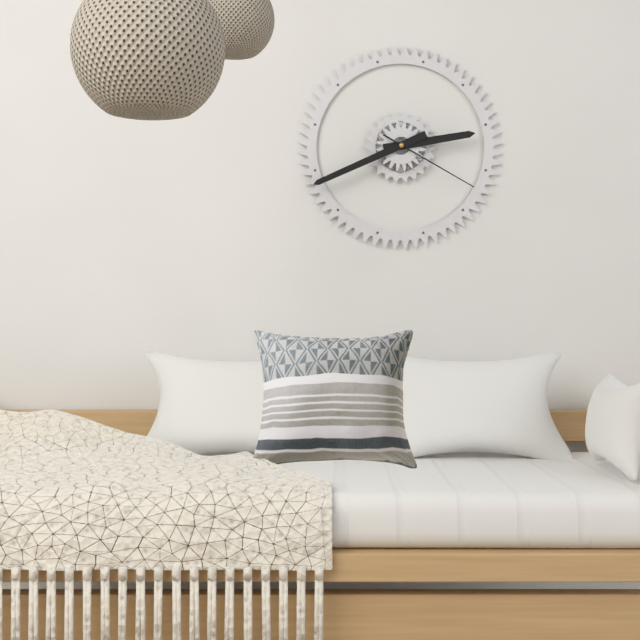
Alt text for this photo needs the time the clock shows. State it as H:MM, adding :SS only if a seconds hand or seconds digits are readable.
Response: 2:41:20
